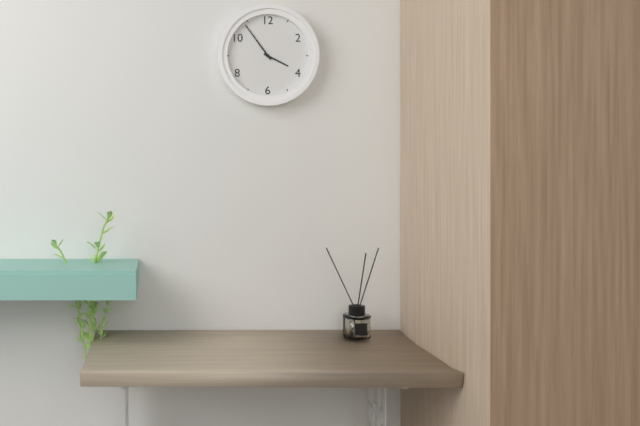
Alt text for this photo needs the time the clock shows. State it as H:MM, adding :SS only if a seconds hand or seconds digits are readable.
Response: 3:54
